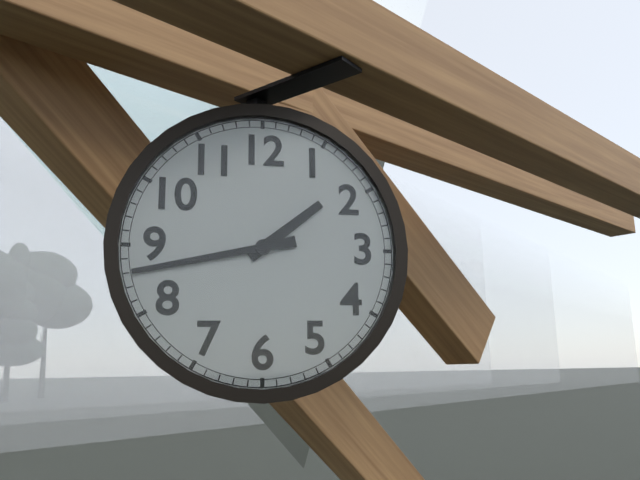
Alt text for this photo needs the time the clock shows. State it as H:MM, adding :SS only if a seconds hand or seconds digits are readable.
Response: 1:43
